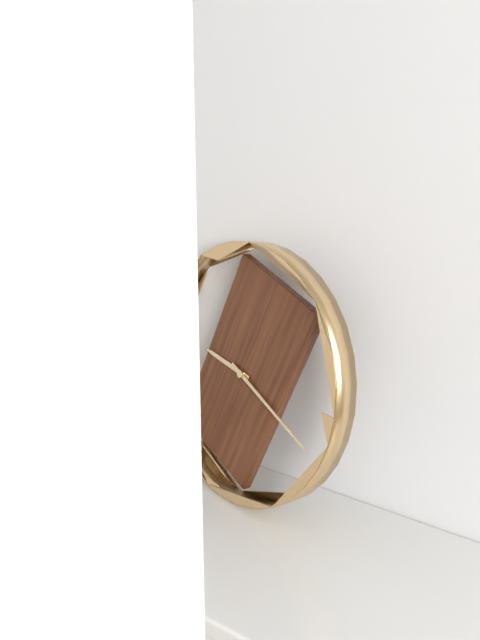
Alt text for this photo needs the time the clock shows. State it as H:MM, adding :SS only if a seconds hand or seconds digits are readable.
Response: 9:19
